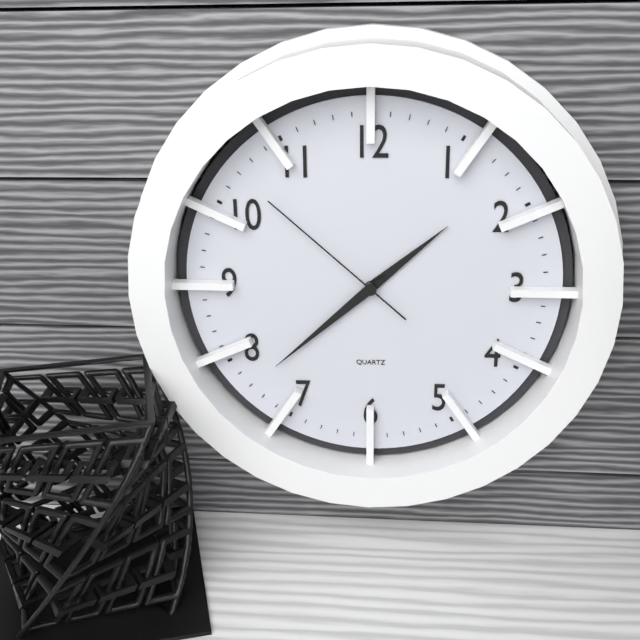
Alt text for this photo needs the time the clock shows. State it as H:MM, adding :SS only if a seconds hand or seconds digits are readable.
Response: 1:38:52
